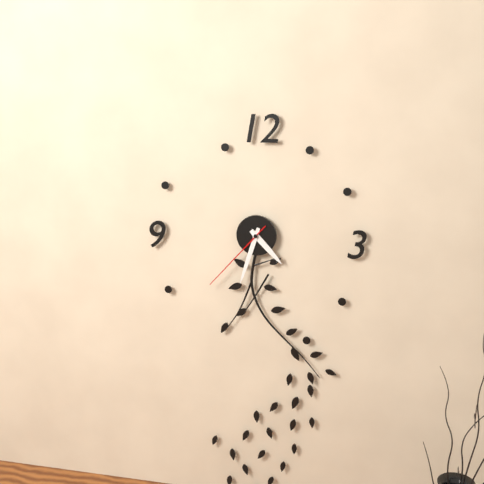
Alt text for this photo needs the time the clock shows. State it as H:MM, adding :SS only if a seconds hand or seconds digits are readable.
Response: 4:33:37
